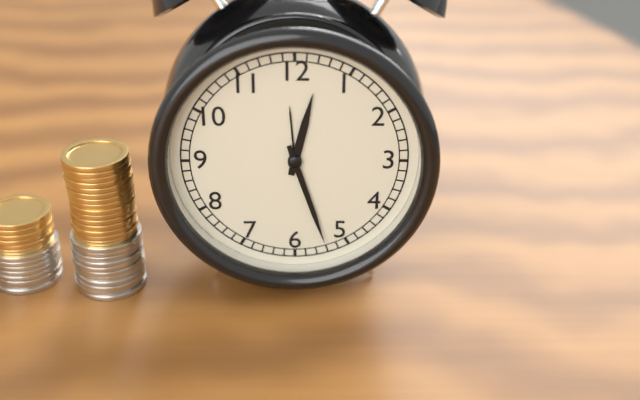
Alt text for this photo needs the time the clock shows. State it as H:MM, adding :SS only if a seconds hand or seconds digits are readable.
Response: 12:27
